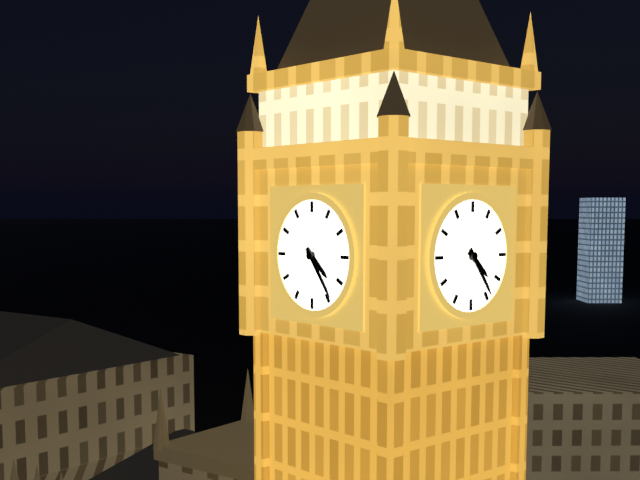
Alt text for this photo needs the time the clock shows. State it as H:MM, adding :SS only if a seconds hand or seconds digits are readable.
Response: 4:24
